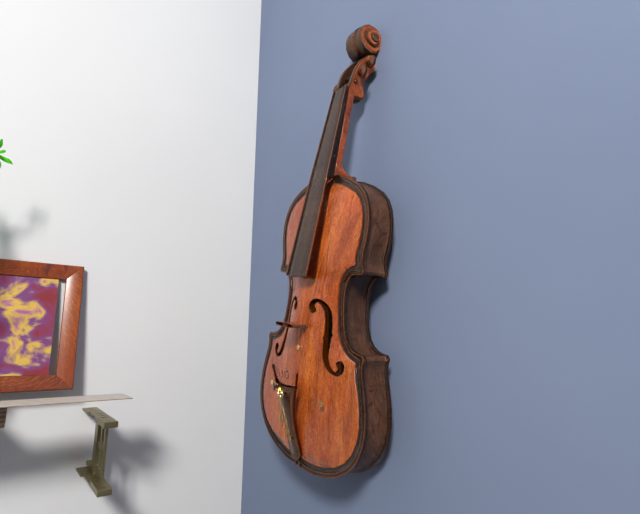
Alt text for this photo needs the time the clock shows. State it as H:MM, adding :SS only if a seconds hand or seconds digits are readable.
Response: 5:24
